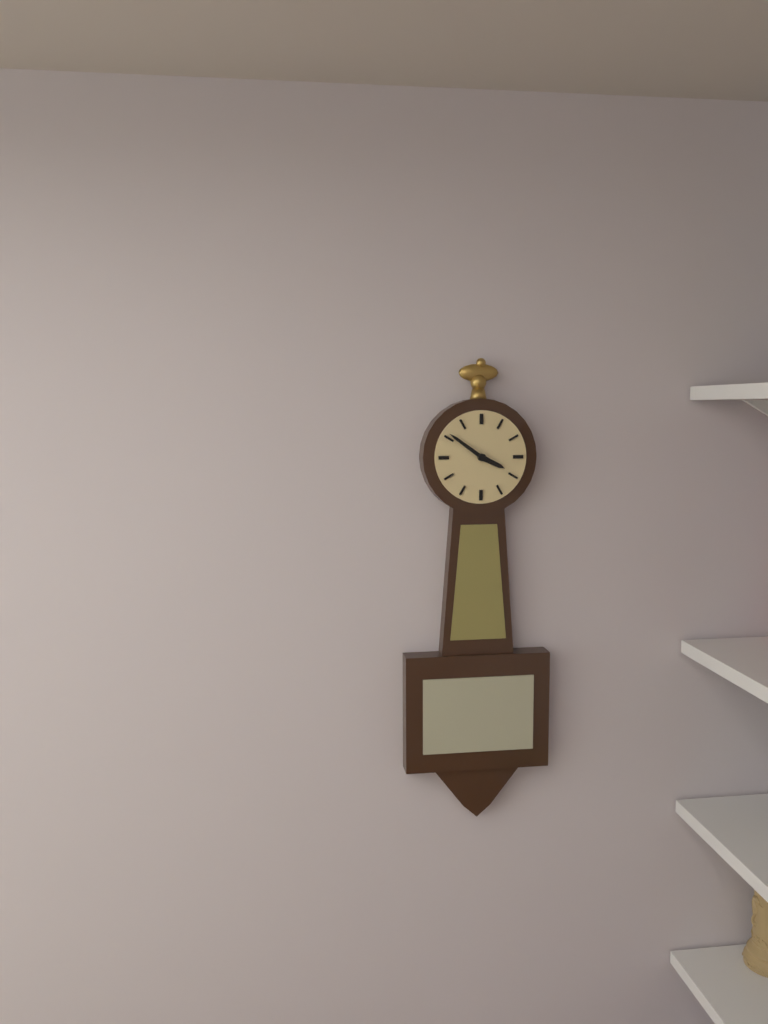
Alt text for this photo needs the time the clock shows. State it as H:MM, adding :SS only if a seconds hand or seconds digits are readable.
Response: 3:51
